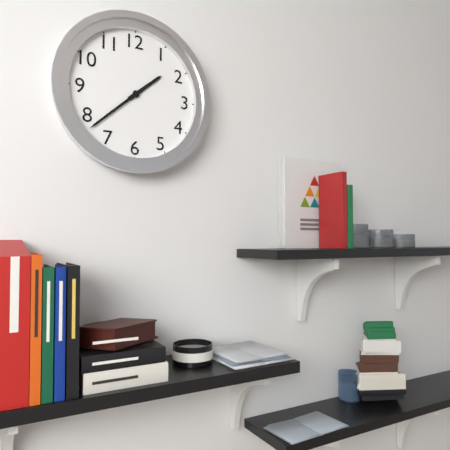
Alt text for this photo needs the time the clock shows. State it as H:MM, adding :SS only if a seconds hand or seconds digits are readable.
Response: 1:38
